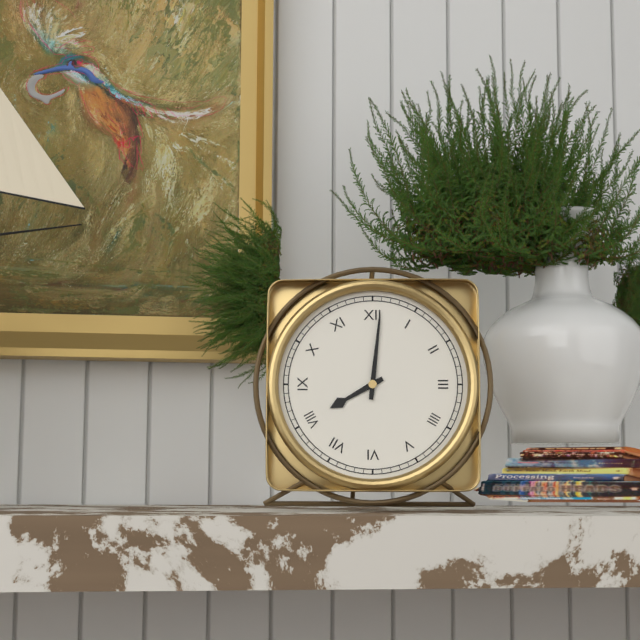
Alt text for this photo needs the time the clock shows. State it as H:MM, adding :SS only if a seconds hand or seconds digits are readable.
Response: 8:01
